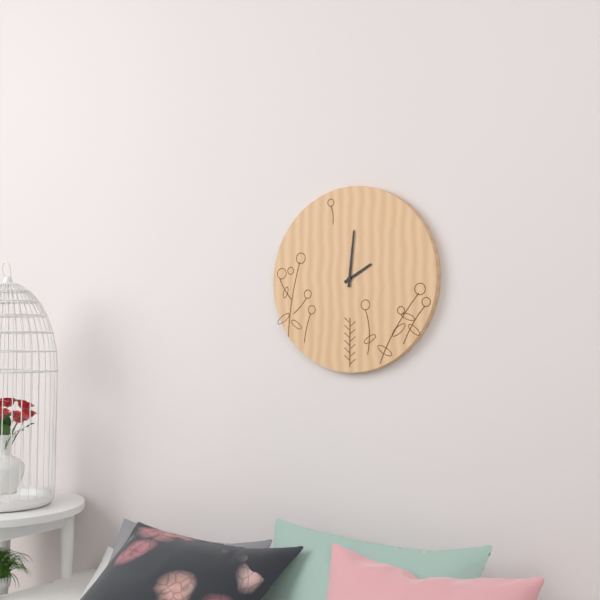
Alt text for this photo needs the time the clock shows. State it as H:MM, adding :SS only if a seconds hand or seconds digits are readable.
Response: 2:01
